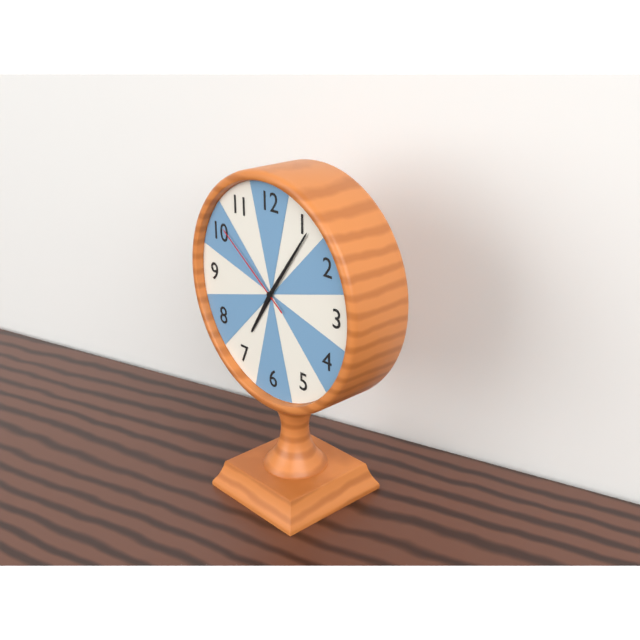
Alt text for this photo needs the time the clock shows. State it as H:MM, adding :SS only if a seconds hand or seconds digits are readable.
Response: 7:06:51
